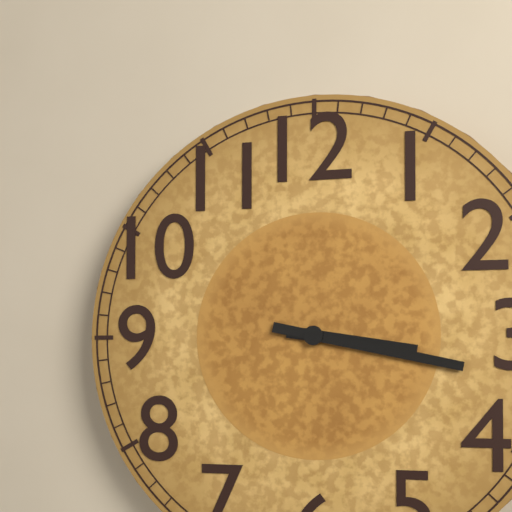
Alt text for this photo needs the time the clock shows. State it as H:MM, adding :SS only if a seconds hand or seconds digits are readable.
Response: 3:17
